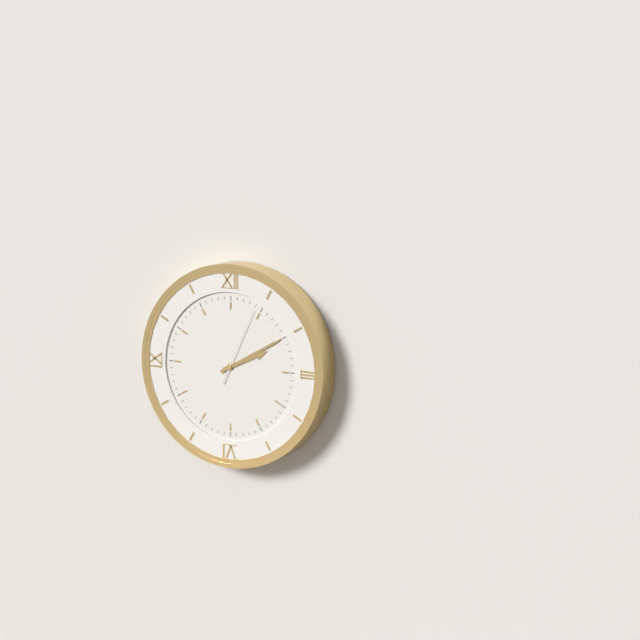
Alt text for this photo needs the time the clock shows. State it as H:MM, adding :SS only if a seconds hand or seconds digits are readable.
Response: 2:10:04
